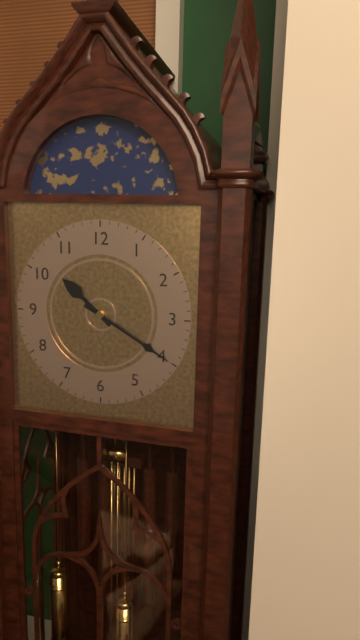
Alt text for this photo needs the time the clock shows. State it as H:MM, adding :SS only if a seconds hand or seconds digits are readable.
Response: 10:20
